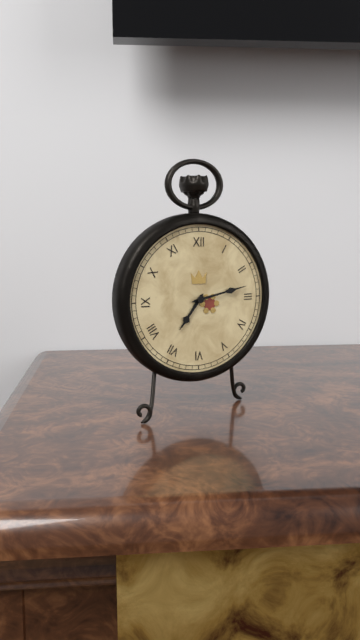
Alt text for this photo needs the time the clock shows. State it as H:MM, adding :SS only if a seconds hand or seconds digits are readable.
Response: 7:13
